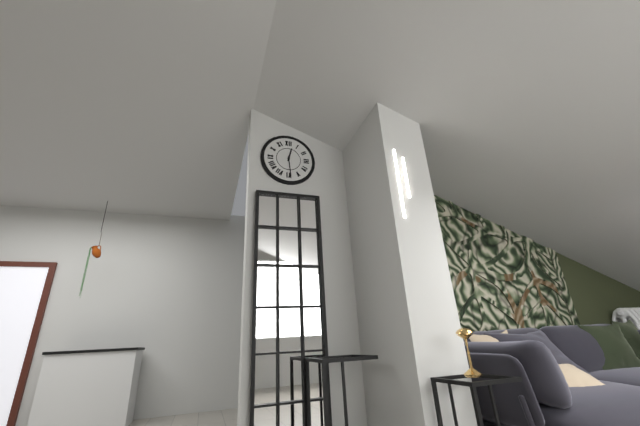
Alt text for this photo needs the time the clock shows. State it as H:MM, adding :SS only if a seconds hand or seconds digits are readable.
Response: 12:29
